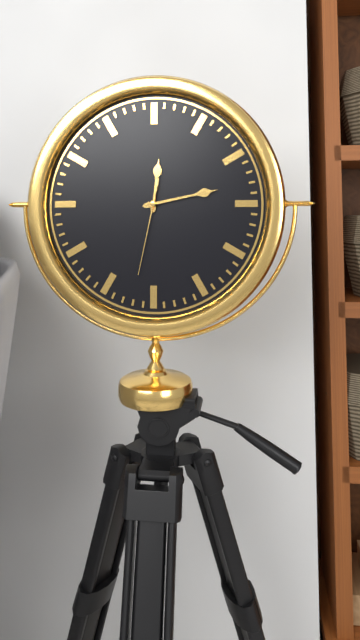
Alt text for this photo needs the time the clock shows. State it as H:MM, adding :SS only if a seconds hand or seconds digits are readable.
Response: 12:13:32
